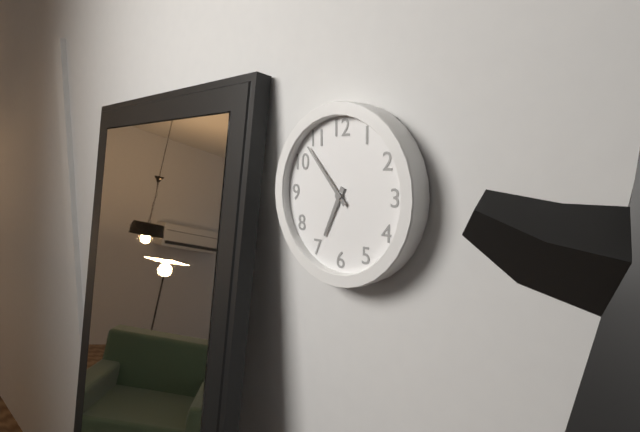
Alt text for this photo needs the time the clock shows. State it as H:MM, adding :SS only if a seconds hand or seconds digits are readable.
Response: 6:53
